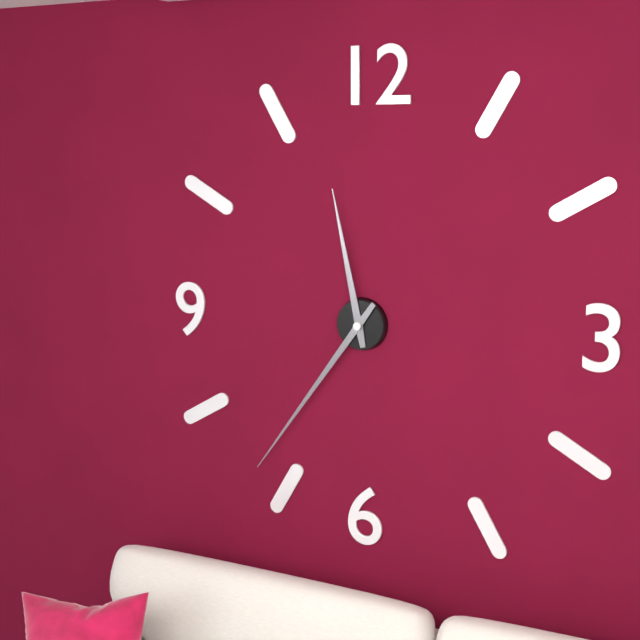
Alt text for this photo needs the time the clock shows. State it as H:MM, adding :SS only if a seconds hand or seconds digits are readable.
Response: 11:36
